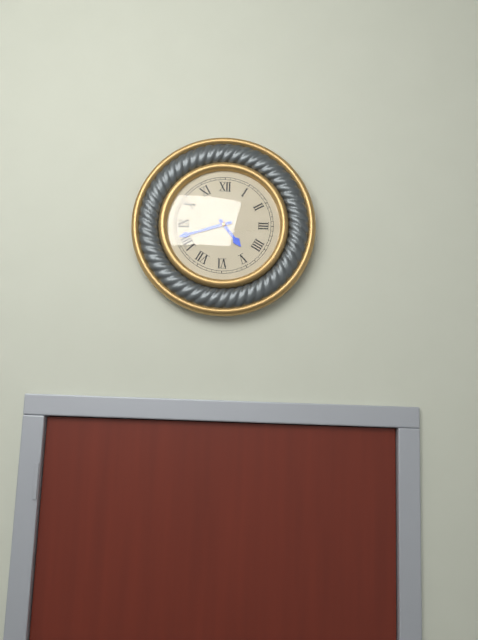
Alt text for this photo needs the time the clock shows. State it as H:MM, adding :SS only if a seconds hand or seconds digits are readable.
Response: 4:42
